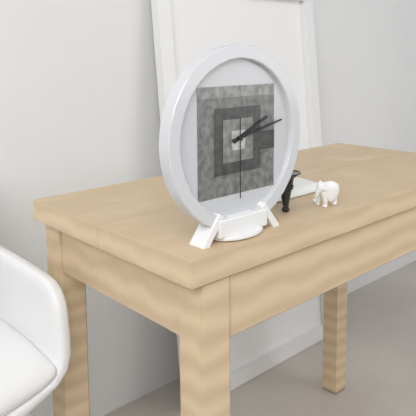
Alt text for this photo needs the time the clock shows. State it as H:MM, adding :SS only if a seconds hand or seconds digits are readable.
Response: 2:13:30
